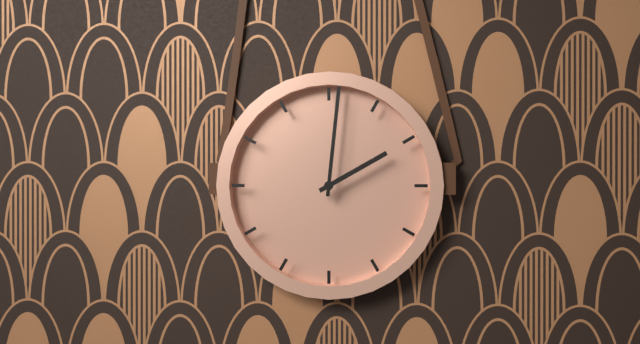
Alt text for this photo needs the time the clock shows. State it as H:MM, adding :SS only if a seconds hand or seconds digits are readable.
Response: 2:01
